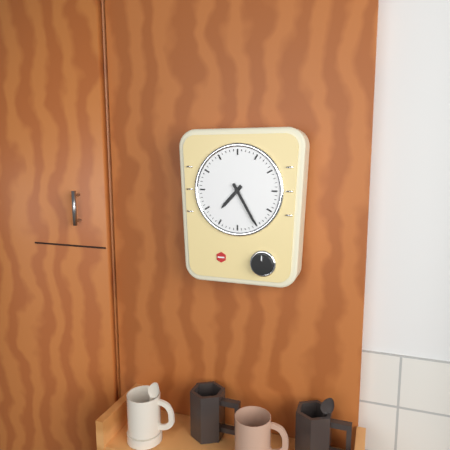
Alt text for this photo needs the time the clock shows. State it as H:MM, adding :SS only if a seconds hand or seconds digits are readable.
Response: 7:25
